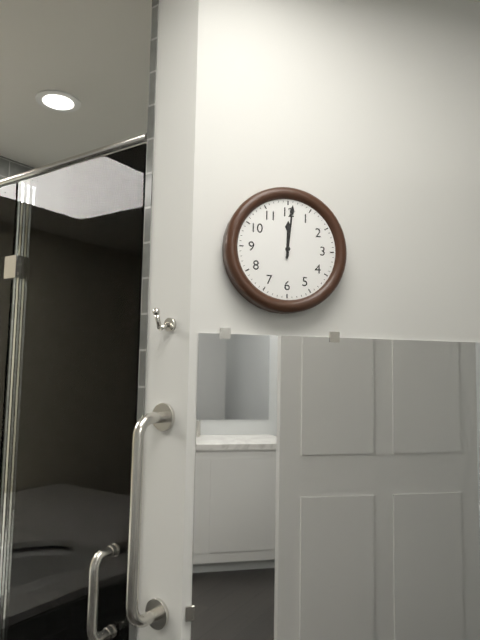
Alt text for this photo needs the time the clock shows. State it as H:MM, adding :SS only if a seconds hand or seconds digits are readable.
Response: 12:01
